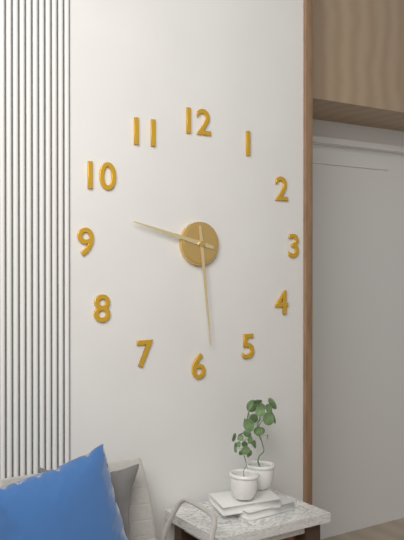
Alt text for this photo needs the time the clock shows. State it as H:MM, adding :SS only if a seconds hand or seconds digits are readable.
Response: 9:29
